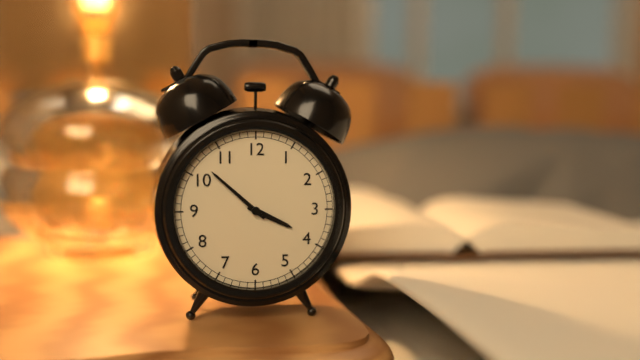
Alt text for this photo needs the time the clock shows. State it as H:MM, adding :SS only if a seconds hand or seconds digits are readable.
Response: 3:52
